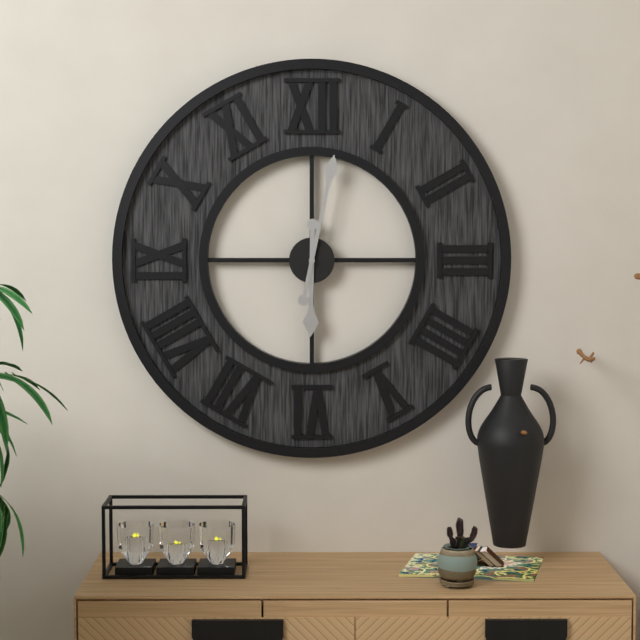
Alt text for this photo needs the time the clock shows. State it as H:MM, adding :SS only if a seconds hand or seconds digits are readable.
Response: 6:02
